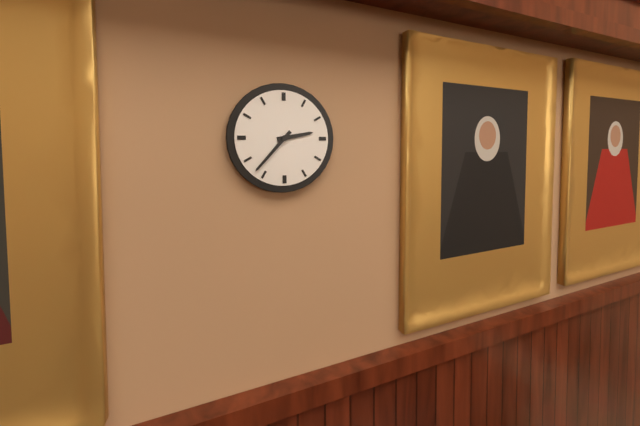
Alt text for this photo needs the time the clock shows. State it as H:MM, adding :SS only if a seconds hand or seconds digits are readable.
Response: 2:37
